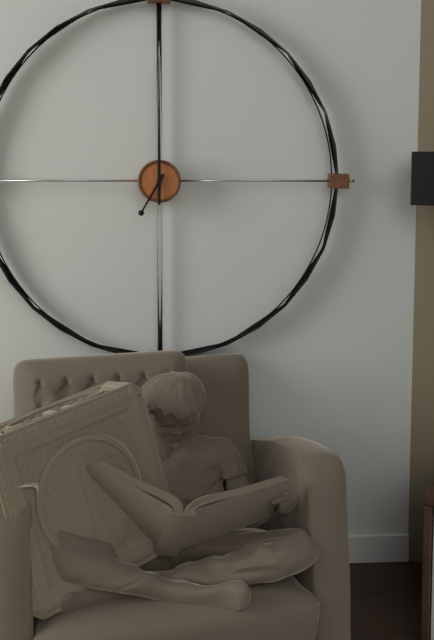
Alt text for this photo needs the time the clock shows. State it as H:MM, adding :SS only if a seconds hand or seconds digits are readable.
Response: 7:00
